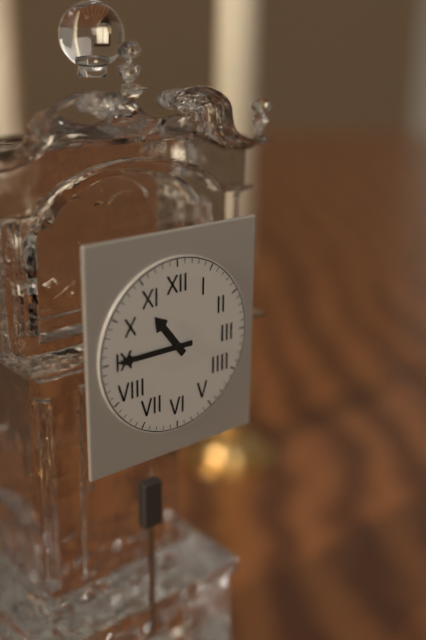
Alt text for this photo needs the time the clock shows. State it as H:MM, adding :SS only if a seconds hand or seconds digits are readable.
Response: 10:45
